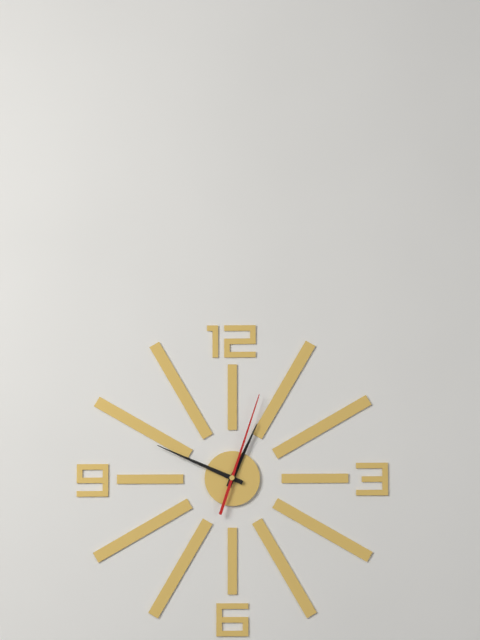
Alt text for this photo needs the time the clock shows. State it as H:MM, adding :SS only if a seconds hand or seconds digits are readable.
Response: 12:49:03
